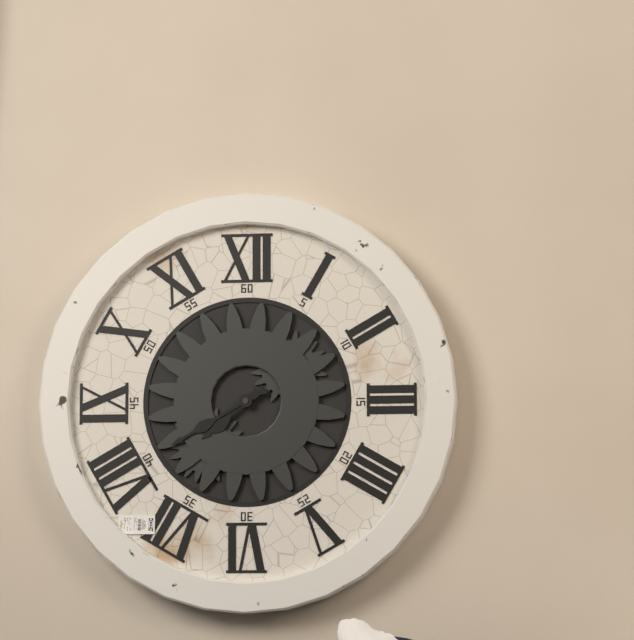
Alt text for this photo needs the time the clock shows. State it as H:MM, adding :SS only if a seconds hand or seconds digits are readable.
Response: 7:40
